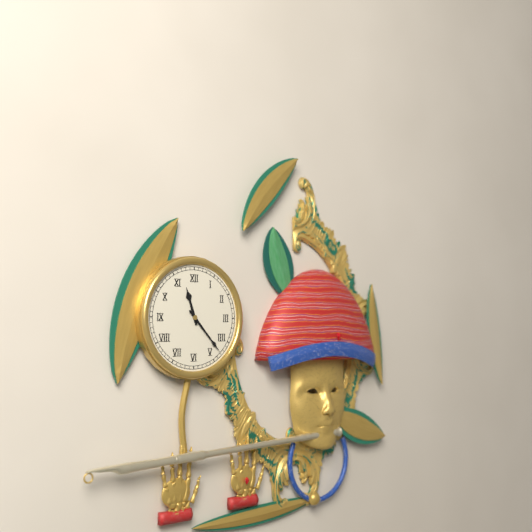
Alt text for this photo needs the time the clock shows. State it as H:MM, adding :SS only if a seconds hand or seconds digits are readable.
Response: 11:23
